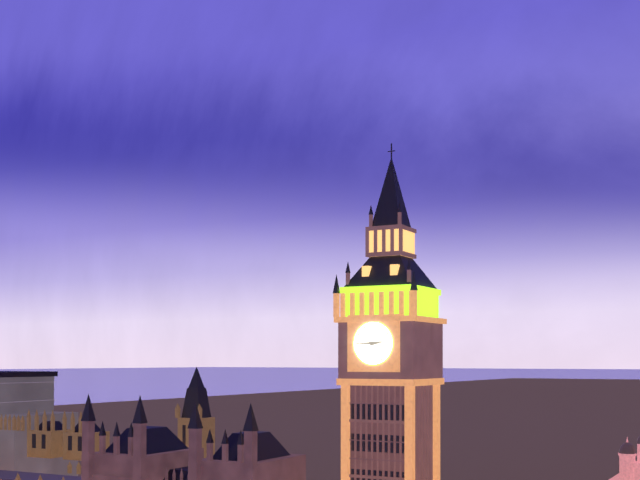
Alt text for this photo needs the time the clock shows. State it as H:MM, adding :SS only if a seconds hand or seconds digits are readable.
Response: 2:45
